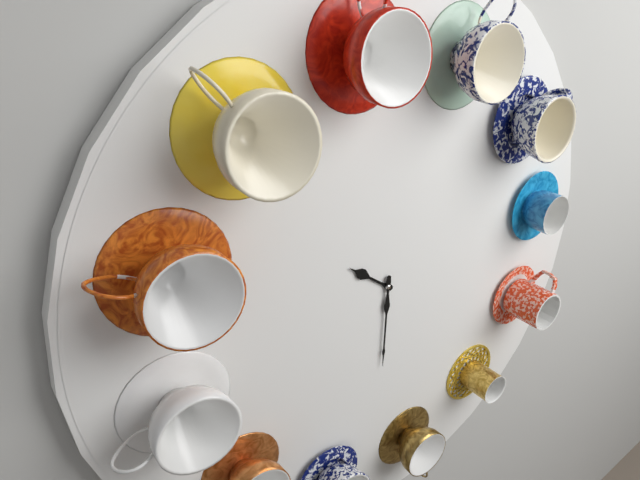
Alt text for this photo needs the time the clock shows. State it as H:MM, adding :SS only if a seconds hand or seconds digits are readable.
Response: 10:32
